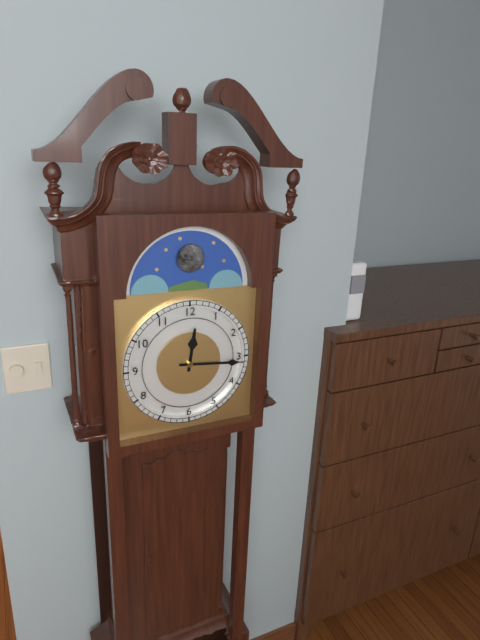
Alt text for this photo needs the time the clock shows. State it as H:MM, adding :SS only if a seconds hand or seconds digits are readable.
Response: 12:16
